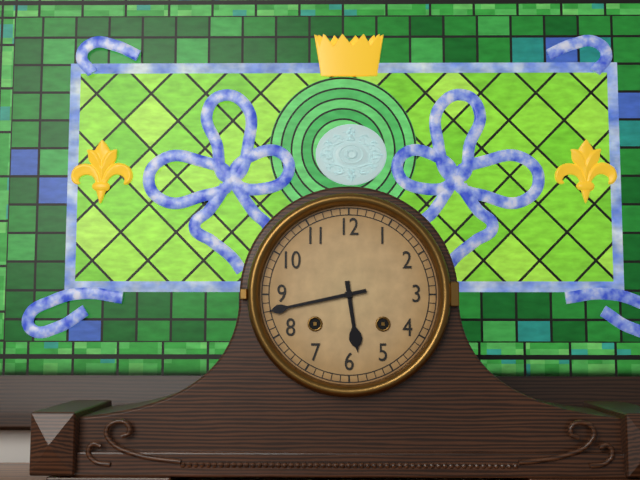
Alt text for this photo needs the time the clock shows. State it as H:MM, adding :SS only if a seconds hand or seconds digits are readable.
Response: 5:43
